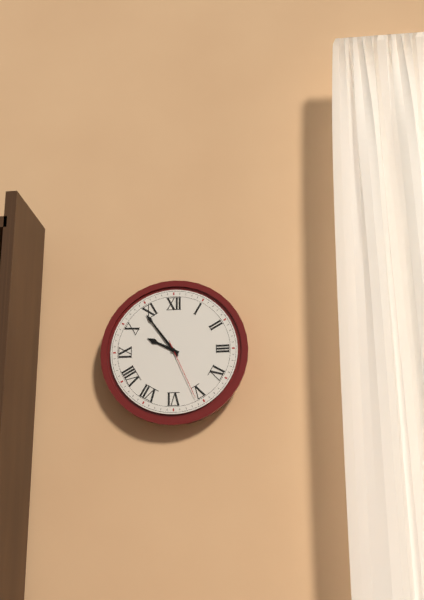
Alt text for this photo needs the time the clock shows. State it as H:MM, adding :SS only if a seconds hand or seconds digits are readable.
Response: 9:54:26
